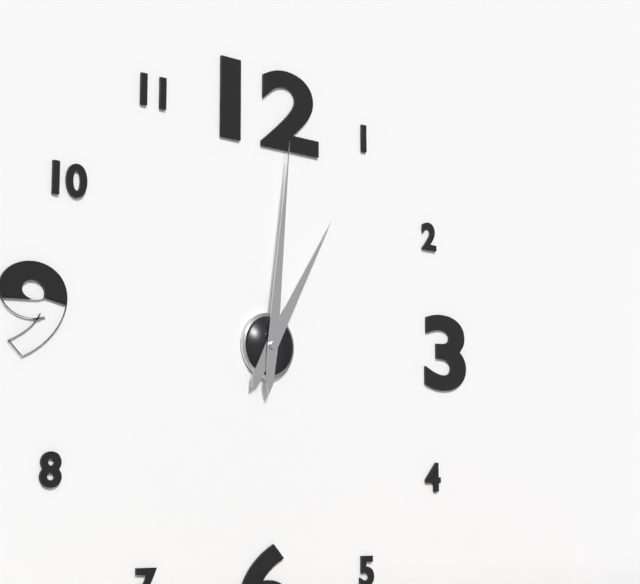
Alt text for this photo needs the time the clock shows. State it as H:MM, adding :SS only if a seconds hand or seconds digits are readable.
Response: 1:01
